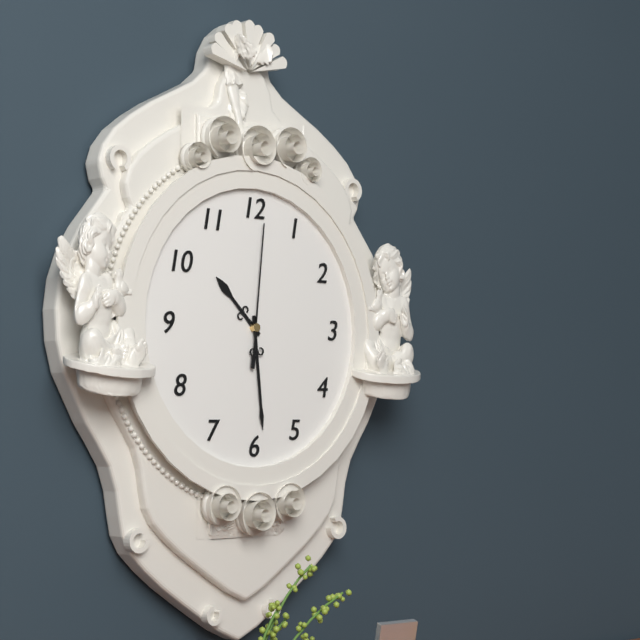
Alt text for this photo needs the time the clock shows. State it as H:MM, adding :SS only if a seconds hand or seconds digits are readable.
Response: 10:29:01
